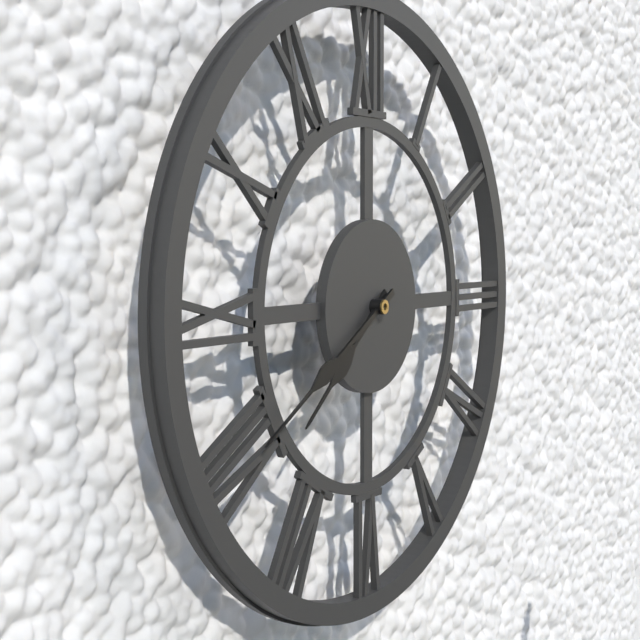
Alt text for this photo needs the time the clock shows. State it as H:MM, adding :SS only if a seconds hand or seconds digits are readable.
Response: 7:40
